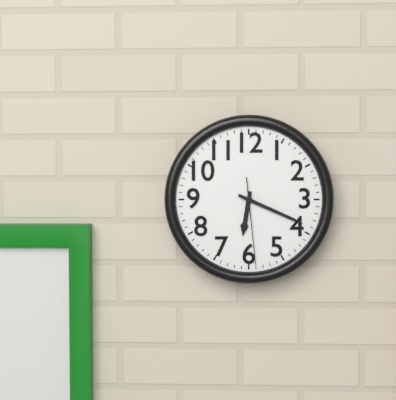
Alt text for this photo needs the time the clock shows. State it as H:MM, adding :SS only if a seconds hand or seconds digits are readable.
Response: 6:19:29
